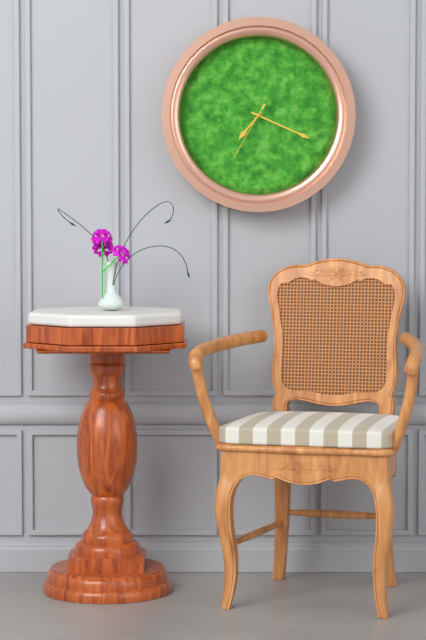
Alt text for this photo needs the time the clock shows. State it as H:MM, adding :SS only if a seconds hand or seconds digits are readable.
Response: 7:19:35
